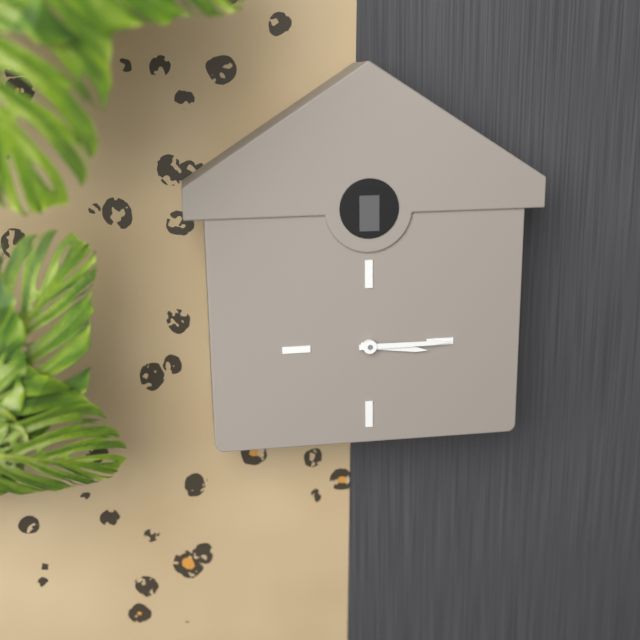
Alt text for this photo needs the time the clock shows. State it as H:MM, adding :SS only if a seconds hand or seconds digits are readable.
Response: 3:15
